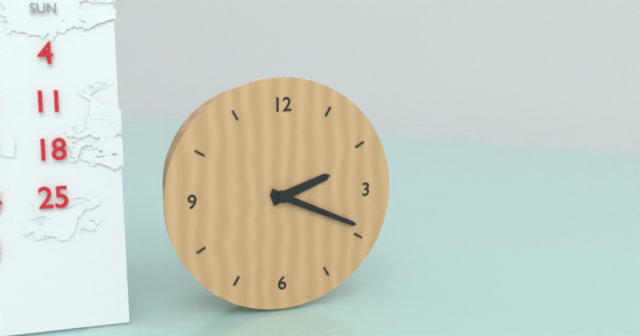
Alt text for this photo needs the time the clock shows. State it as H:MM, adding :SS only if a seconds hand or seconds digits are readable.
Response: 2:19
